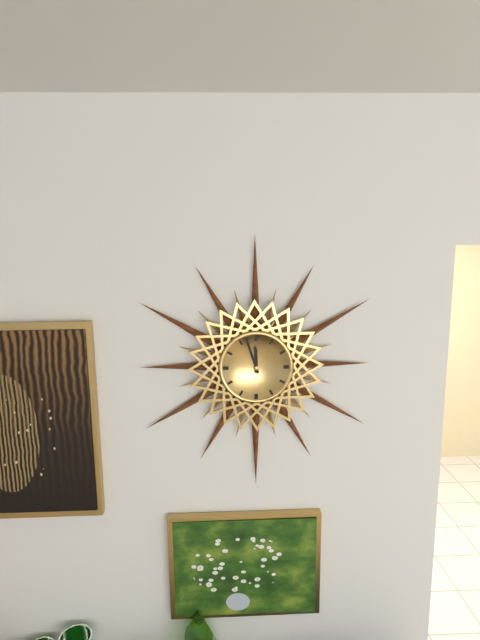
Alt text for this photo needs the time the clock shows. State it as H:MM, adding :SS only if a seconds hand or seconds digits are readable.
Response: 11:57
